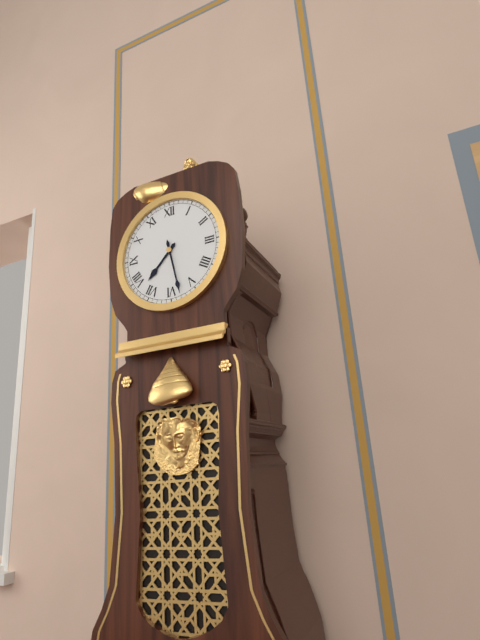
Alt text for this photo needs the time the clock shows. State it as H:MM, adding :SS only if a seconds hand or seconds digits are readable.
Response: 7:28
